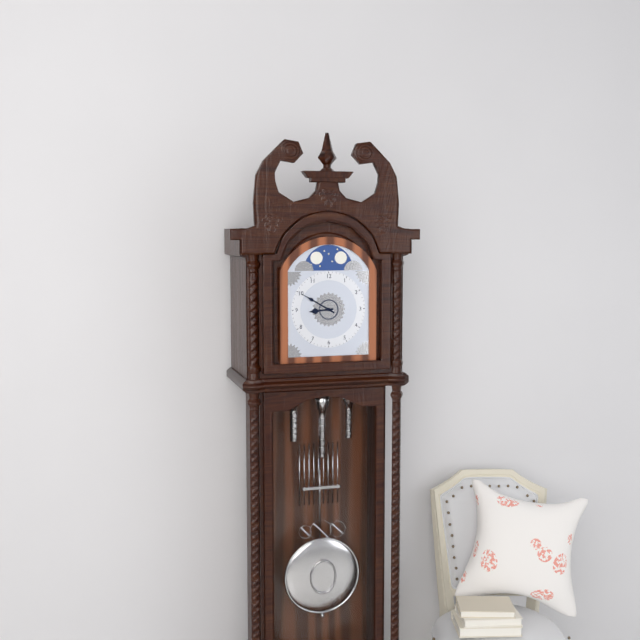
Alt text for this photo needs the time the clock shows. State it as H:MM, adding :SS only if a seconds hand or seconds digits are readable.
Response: 8:50
